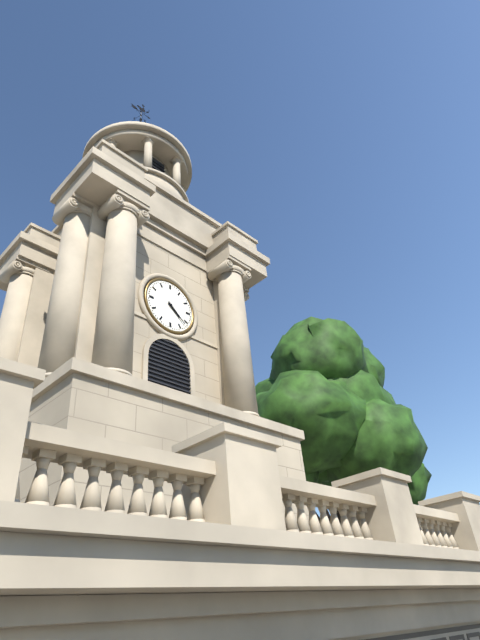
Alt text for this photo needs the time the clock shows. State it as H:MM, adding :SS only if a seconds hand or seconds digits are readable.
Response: 4:22
